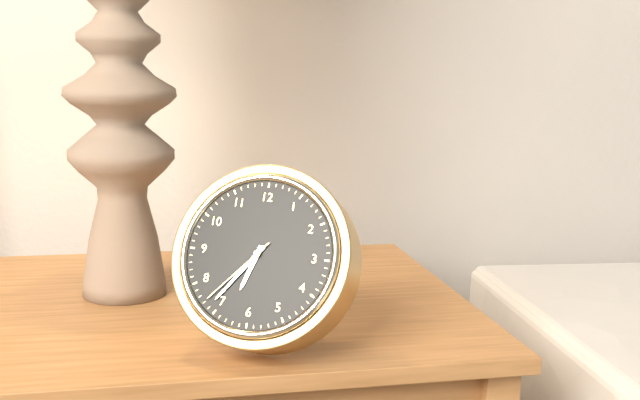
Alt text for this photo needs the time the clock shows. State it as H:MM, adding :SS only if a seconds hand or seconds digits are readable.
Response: 6:36:37
